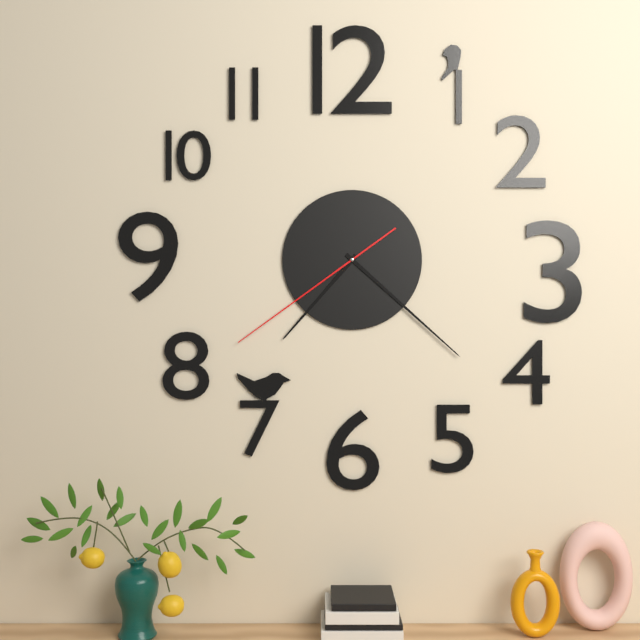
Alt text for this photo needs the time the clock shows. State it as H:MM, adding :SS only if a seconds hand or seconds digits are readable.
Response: 7:22:39
